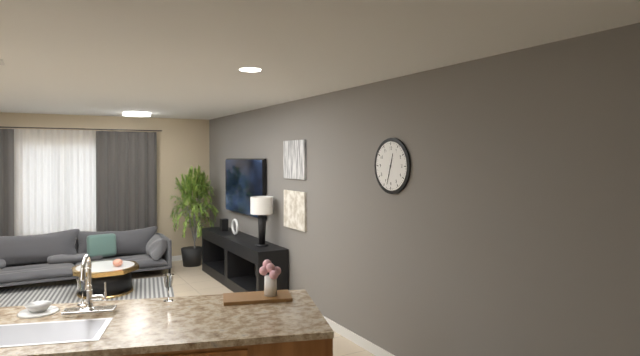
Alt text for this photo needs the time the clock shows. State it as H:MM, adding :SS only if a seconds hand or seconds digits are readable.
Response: 12:33
